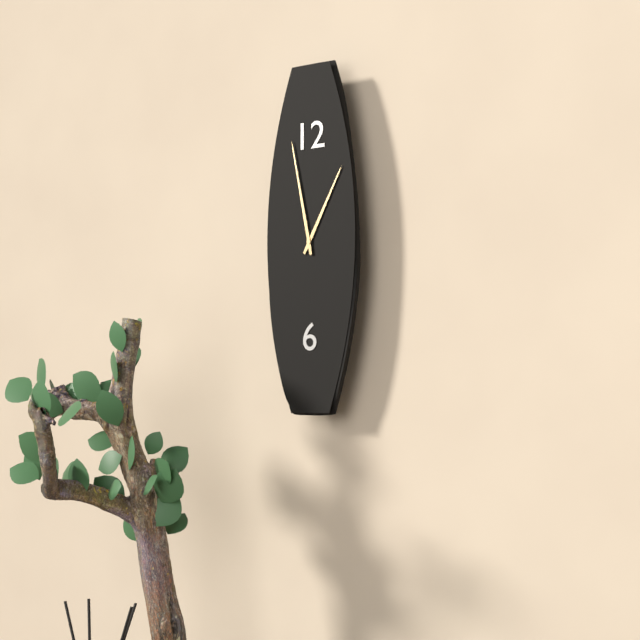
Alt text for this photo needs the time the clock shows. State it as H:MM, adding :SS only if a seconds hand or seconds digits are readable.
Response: 12:58
